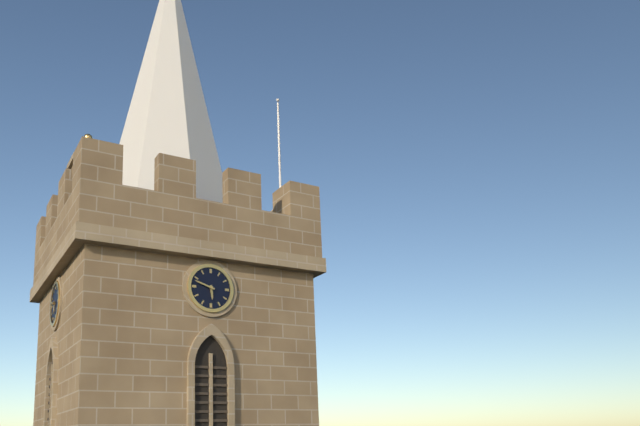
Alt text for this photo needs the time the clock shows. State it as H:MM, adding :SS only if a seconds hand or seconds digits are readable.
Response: 5:48
